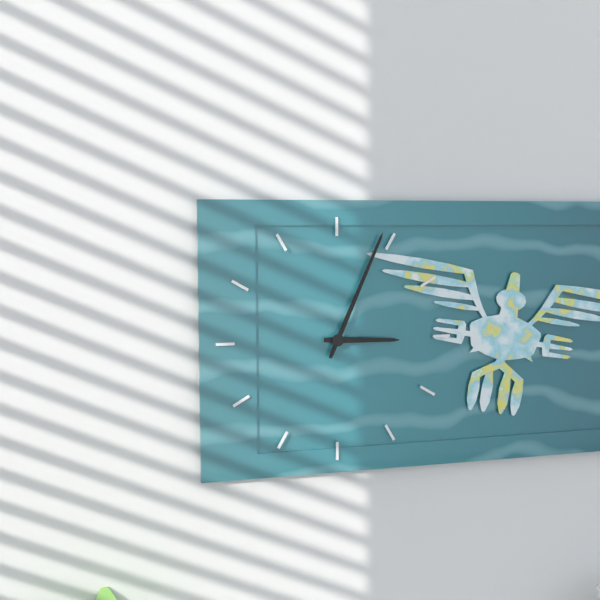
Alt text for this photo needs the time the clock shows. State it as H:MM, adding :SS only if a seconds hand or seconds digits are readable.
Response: 3:04
